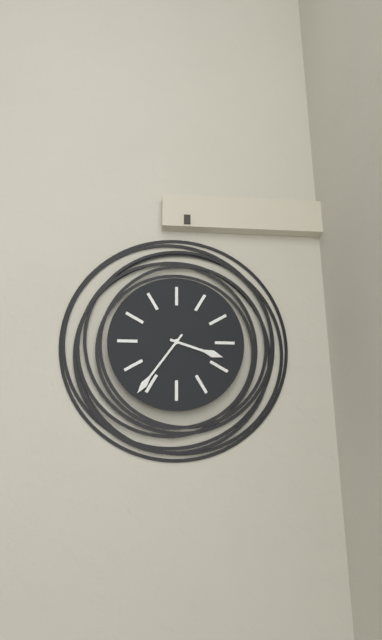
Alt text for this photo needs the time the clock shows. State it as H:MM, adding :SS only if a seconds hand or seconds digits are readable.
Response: 3:36
